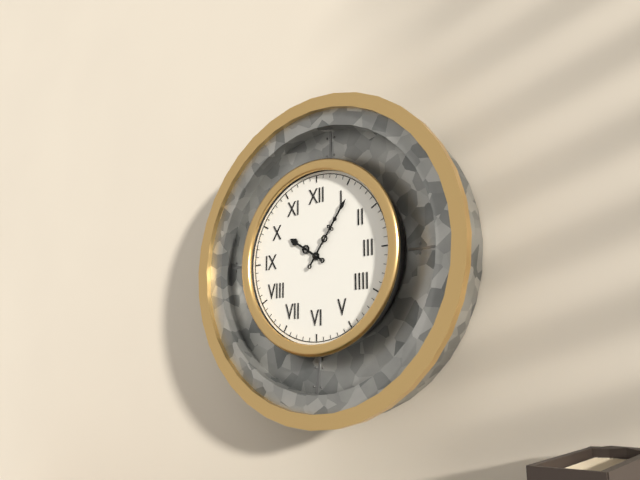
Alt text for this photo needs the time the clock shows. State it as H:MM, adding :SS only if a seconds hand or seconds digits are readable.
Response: 10:06
